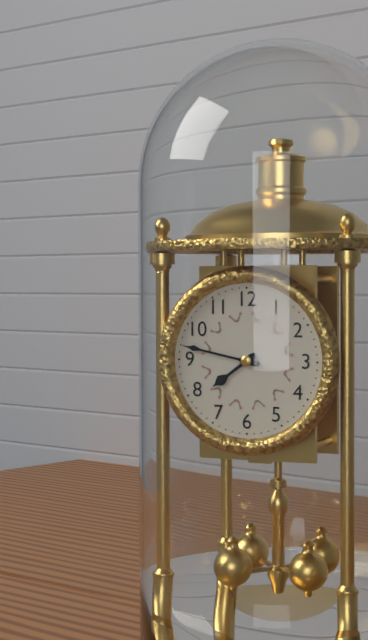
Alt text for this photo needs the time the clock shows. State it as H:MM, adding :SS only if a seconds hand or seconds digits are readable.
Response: 7:47
